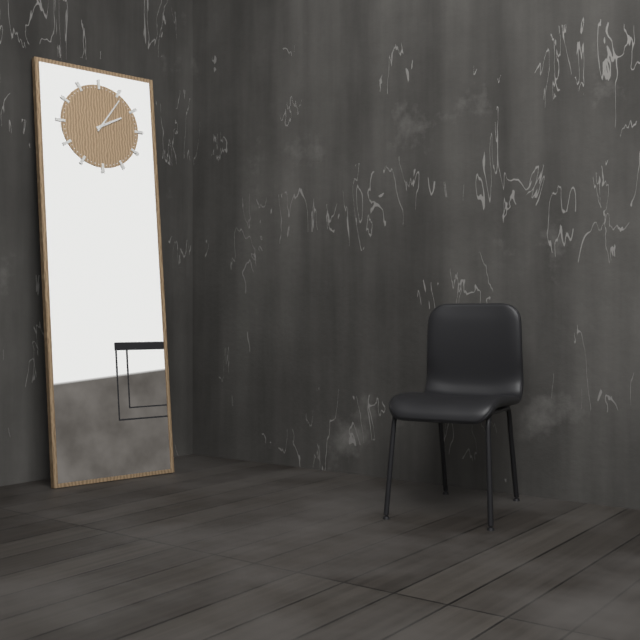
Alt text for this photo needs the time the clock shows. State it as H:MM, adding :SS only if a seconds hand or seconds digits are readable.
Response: 2:06
